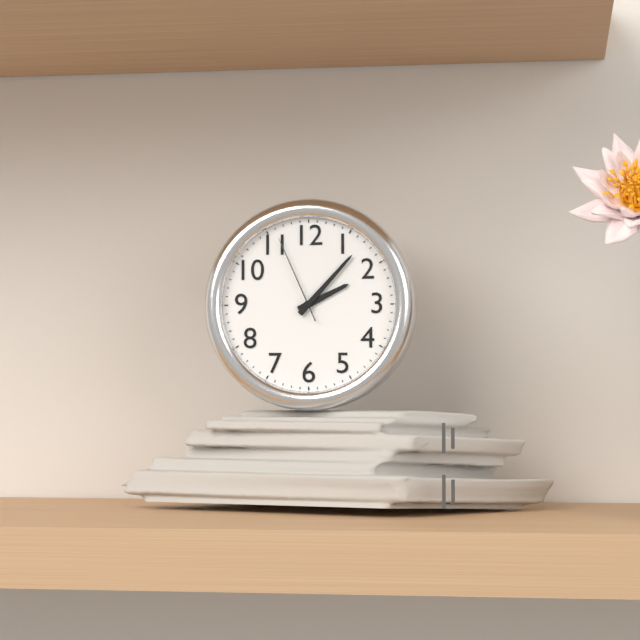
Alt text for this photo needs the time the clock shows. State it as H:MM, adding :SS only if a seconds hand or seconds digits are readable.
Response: 2:07:56
